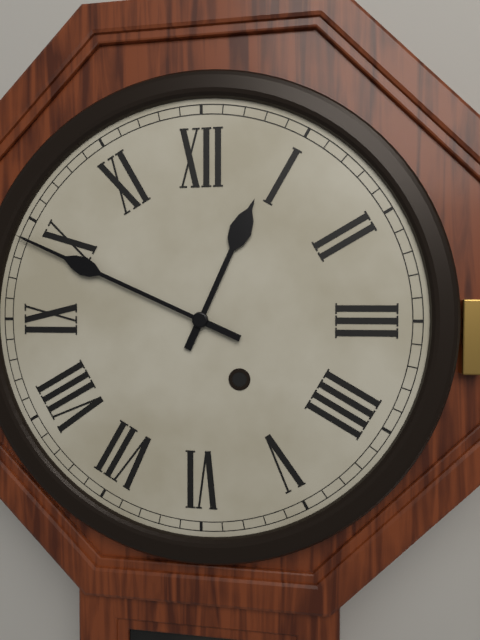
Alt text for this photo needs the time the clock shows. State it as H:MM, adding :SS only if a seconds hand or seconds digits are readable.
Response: 12:49
